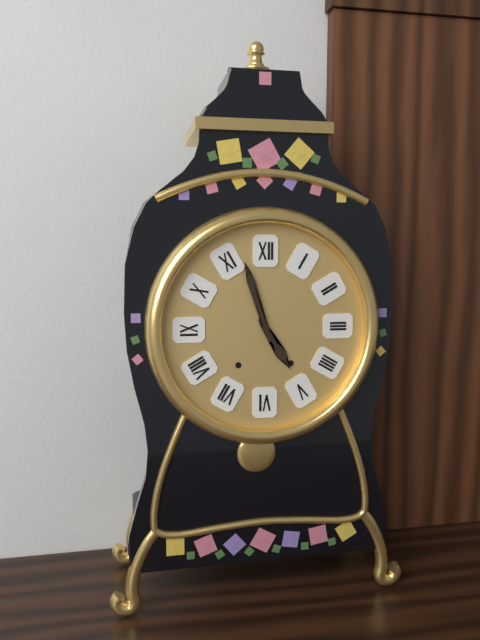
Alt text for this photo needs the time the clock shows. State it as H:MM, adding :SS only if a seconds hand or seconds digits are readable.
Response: 4:57
